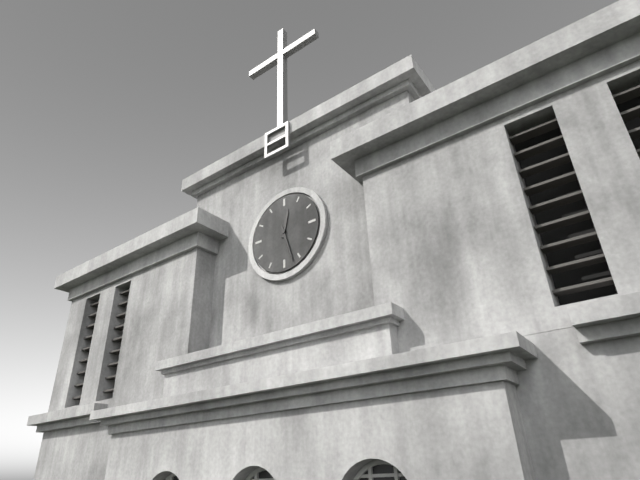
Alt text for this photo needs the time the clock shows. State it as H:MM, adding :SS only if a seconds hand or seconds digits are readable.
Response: 12:27
